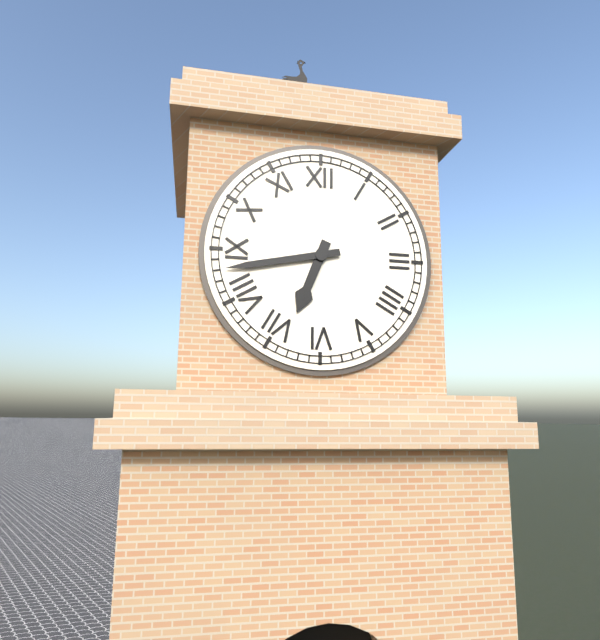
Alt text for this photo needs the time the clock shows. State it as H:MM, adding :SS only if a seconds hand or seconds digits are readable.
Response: 6:43
